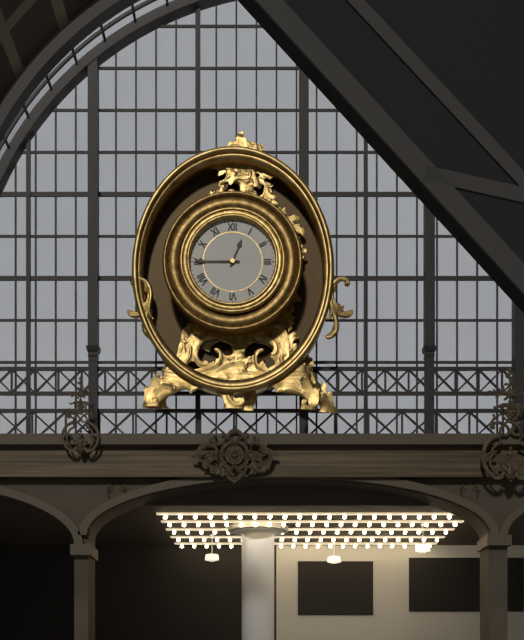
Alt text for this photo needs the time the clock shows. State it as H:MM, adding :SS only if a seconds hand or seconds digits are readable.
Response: 12:45
